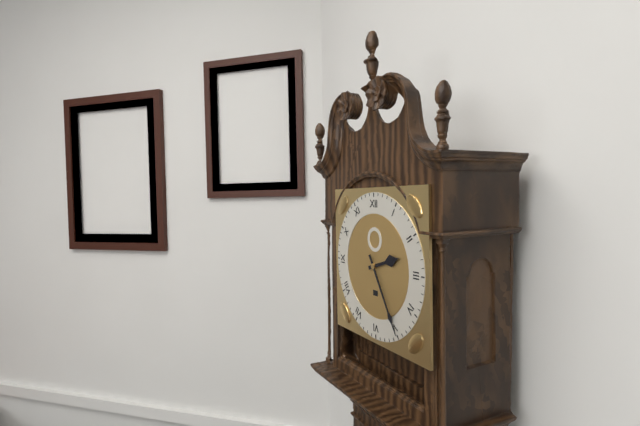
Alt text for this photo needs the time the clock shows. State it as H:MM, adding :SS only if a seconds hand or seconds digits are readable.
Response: 2:25
